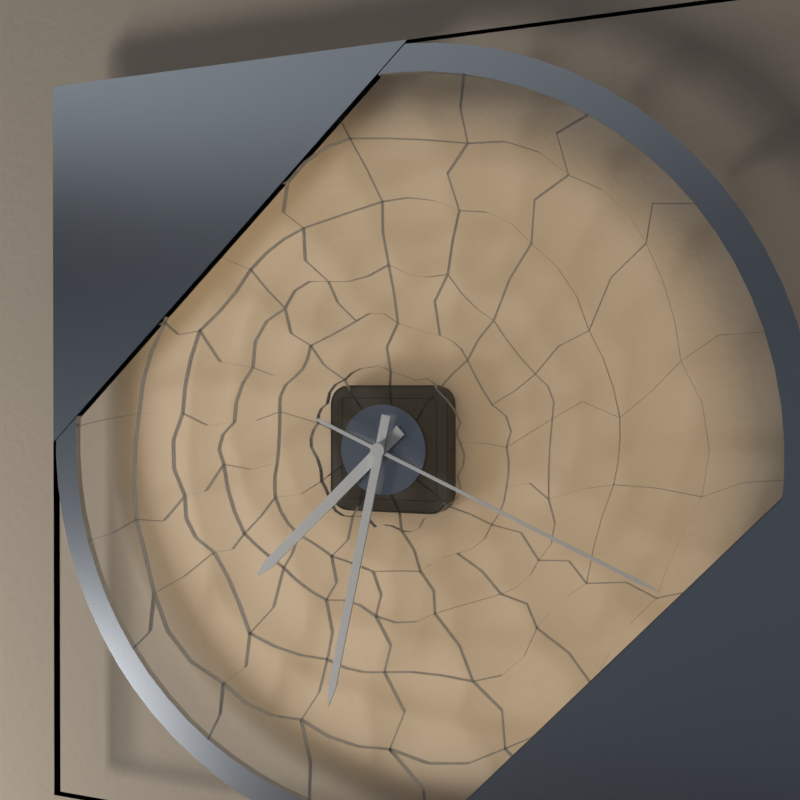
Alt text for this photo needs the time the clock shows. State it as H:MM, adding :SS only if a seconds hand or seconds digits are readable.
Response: 7:32:19
